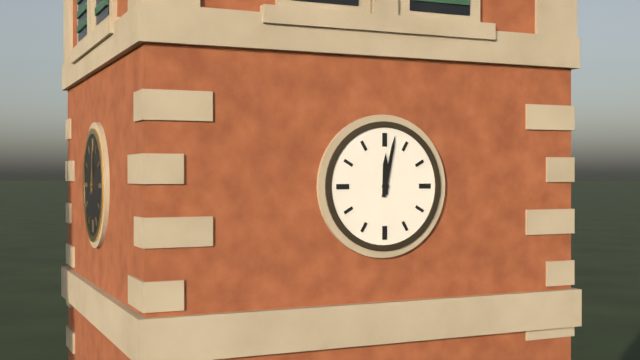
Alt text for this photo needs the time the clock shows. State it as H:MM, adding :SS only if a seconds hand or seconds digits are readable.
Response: 12:02
